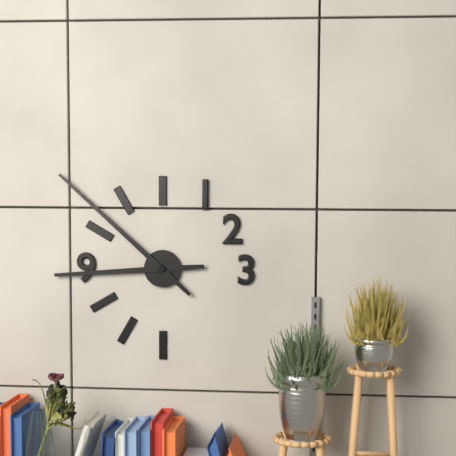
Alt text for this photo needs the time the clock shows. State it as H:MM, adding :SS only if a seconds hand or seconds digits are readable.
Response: 8:52
